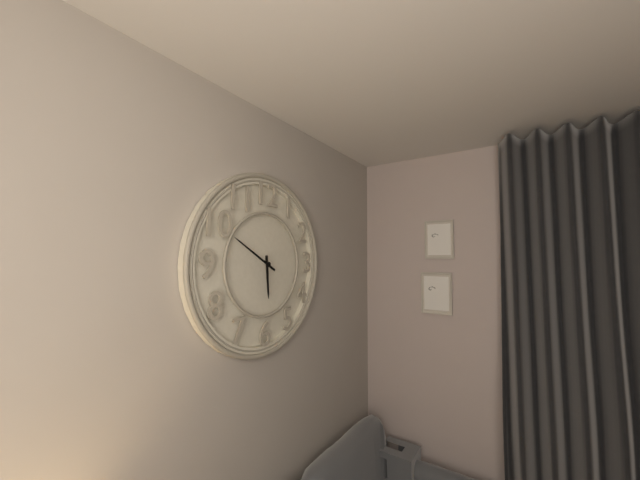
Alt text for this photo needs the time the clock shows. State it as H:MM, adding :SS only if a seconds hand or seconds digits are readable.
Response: 5:50
